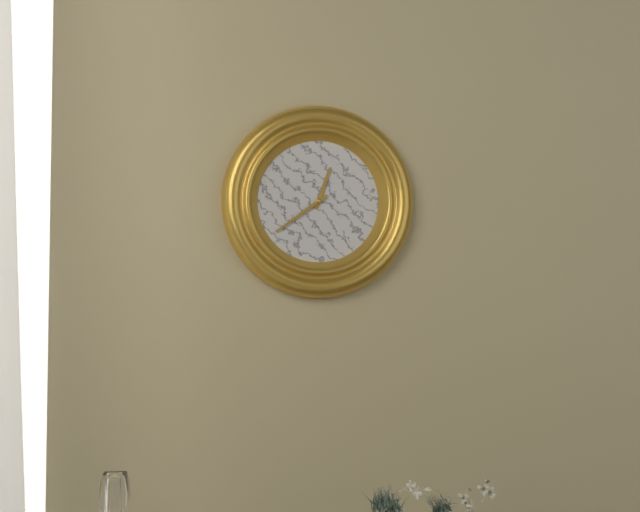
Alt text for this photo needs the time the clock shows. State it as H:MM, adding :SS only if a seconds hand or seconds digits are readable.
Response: 12:39
